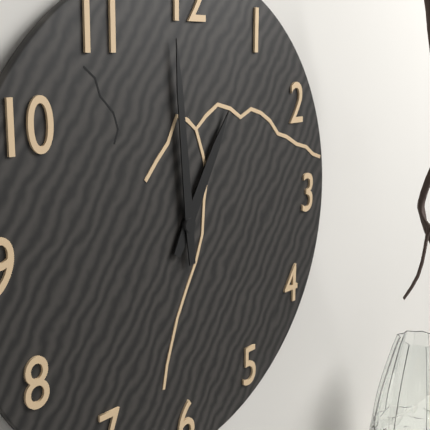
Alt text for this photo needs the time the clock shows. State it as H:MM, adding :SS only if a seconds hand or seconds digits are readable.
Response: 12:59
